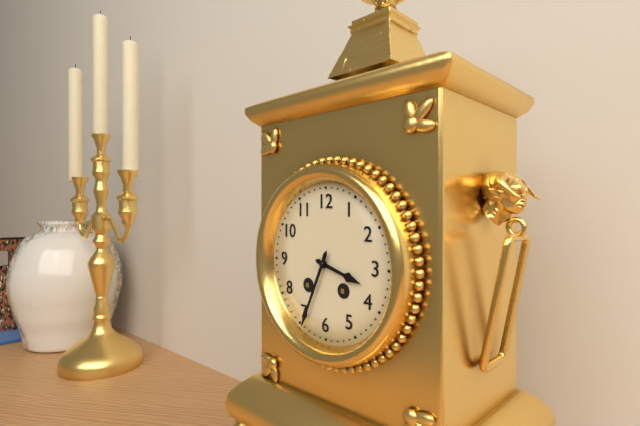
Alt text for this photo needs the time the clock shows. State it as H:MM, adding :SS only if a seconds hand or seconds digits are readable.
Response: 3:34
